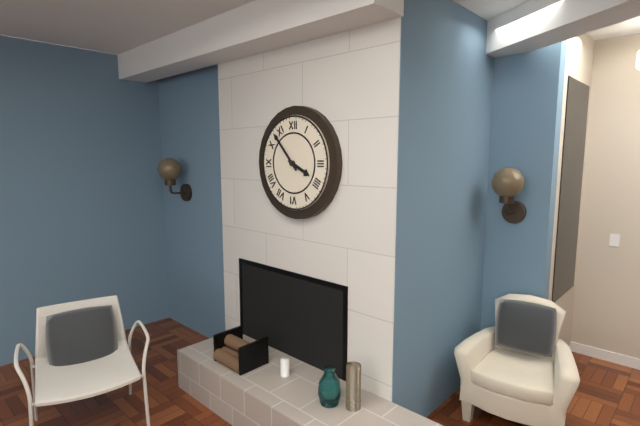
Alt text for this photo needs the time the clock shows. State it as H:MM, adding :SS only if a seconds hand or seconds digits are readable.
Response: 3:53
